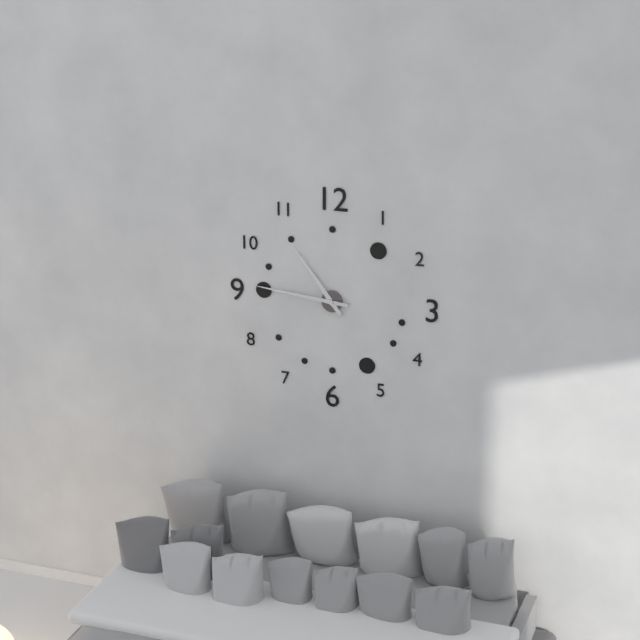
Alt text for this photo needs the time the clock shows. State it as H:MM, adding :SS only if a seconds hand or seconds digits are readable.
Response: 10:46
